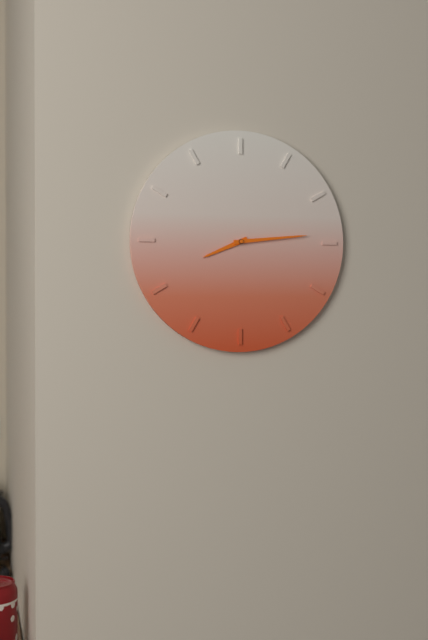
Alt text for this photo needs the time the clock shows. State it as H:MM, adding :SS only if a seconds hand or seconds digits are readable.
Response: 8:14
